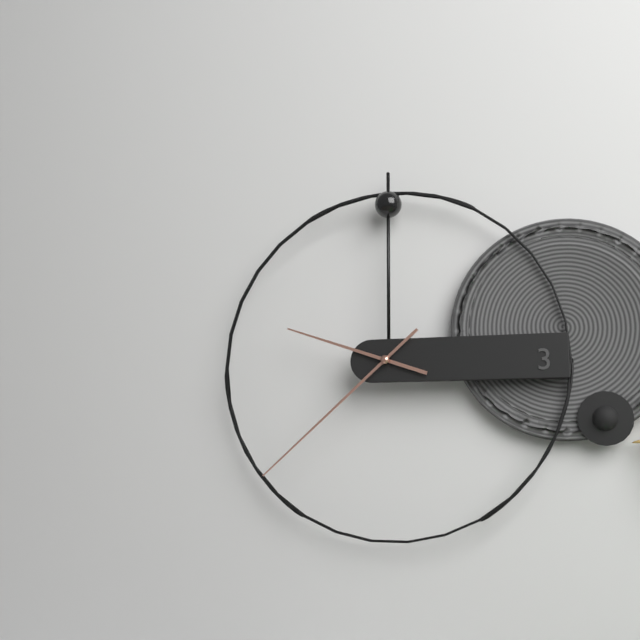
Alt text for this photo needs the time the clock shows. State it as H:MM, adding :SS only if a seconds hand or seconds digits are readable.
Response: 9:38
